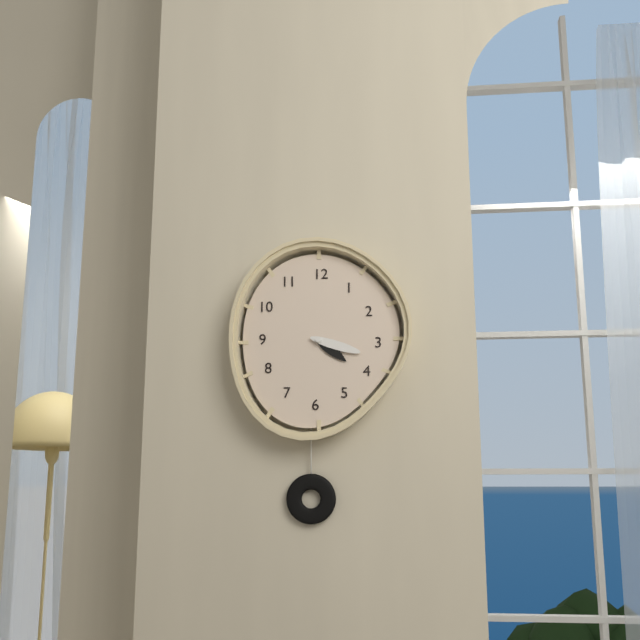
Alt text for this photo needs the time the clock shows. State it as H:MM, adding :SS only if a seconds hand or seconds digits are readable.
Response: 4:18
